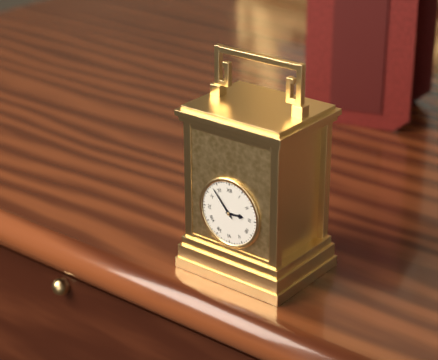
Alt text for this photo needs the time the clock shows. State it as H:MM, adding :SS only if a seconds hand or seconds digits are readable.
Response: 2:53
